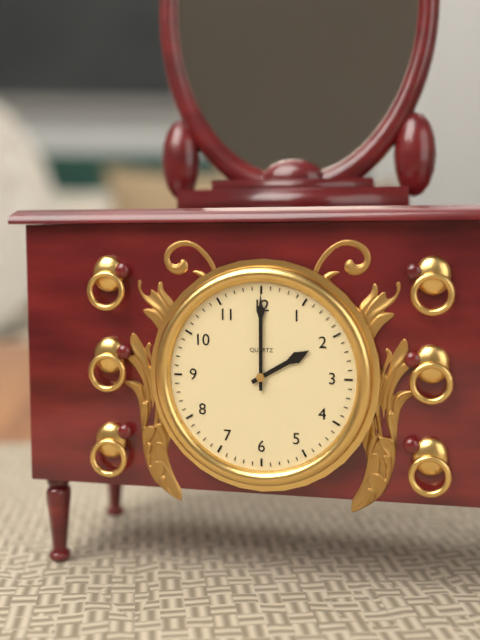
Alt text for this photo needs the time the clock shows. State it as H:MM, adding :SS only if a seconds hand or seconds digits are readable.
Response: 2:00
